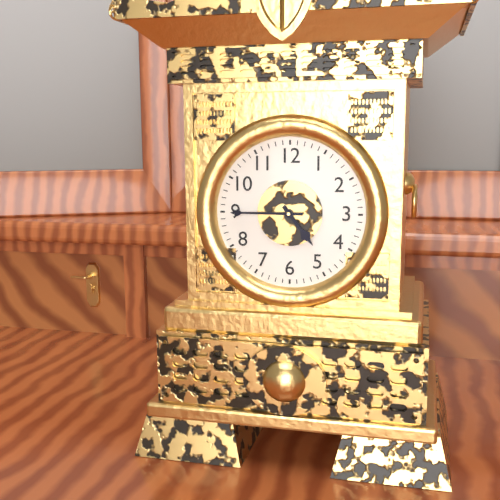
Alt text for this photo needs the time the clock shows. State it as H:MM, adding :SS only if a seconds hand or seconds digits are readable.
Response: 4:45
